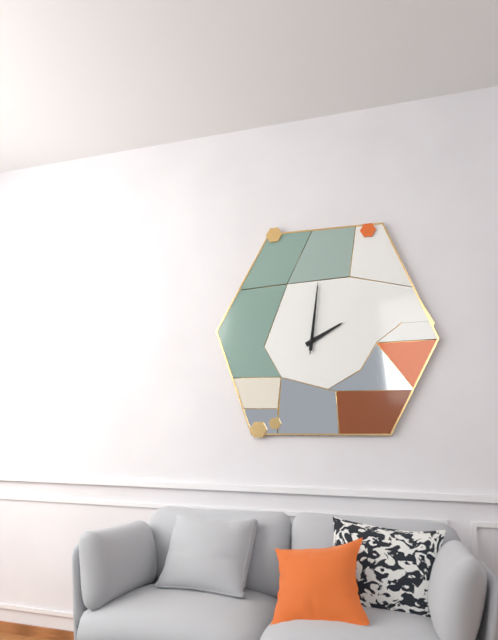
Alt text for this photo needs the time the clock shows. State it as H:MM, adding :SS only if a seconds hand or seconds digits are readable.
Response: 2:01:01
